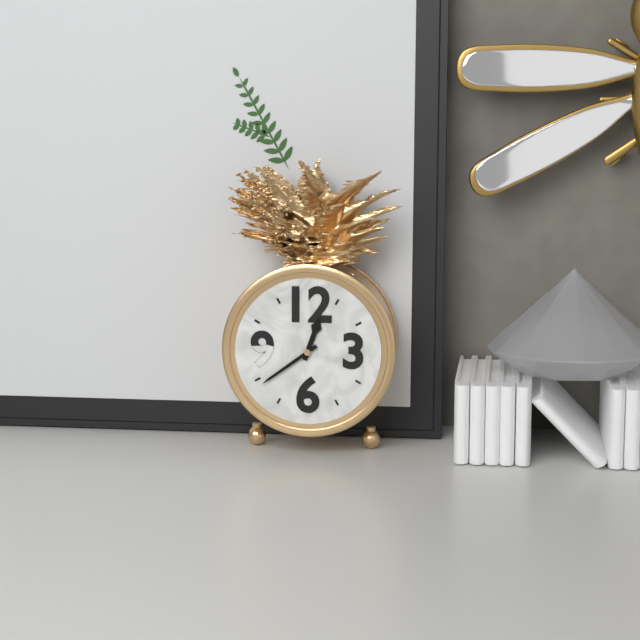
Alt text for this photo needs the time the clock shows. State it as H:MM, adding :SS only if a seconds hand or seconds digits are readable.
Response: 12:39
